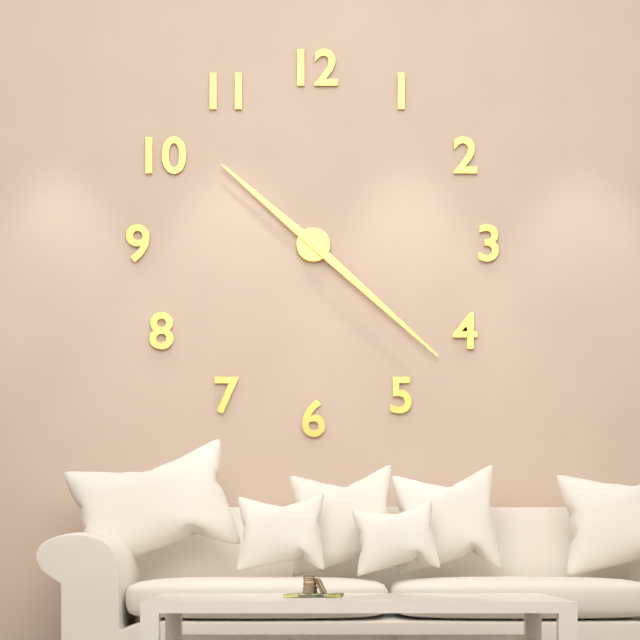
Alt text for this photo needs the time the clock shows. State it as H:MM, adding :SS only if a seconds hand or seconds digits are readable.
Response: 10:22
